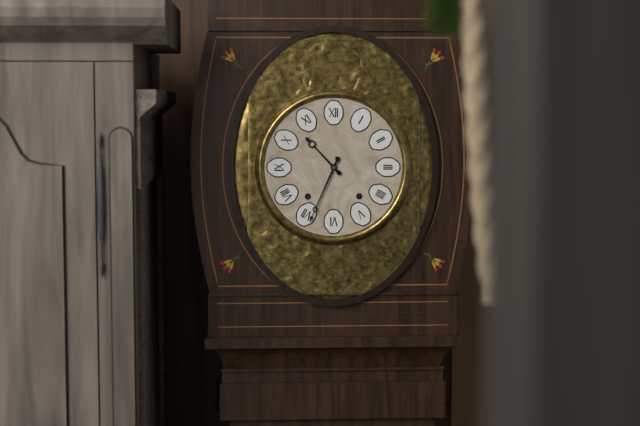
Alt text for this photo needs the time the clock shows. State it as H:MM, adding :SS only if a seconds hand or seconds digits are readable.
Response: 10:34
